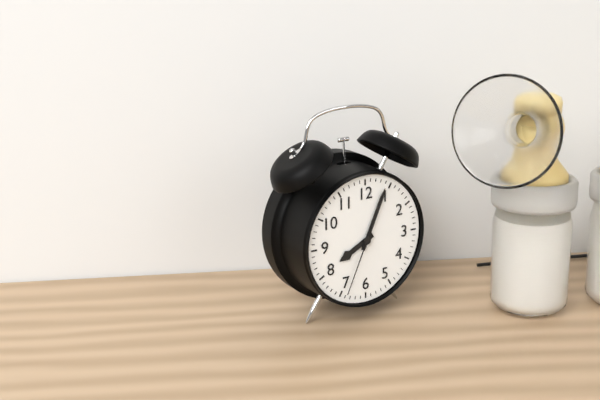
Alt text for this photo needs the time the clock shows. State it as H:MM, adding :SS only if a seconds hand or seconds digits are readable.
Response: 8:04:34
